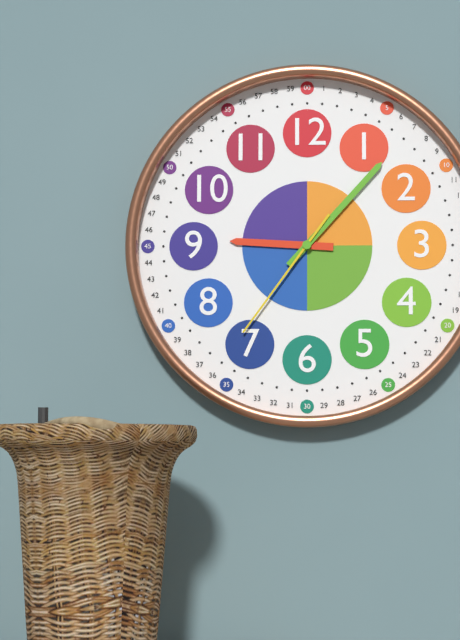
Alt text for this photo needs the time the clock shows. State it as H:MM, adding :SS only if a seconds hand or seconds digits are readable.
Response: 9:07:36
